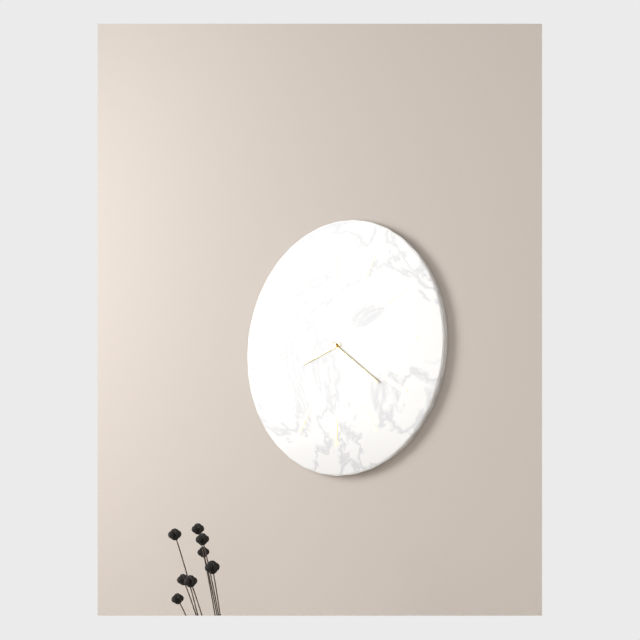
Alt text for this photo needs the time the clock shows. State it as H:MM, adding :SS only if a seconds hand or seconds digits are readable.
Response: 8:21
